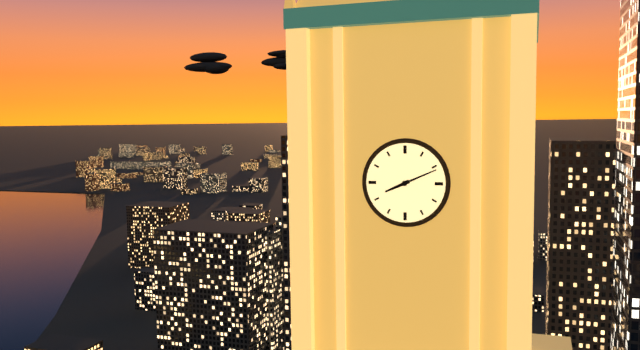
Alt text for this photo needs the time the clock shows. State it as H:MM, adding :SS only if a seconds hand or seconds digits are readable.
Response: 8:11
